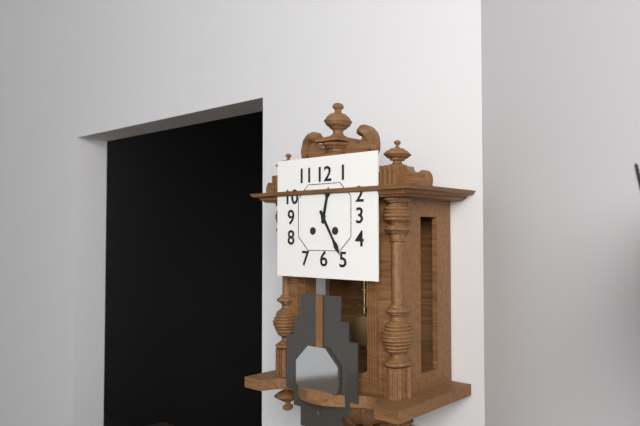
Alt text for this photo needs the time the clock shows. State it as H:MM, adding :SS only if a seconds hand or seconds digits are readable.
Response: 12:25
